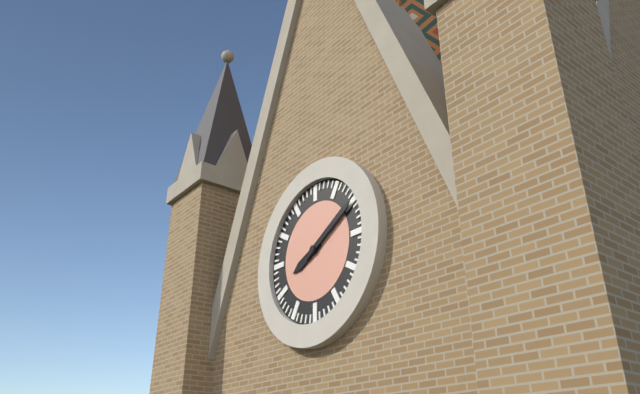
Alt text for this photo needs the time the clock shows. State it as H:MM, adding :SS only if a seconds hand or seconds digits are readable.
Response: 8:10
